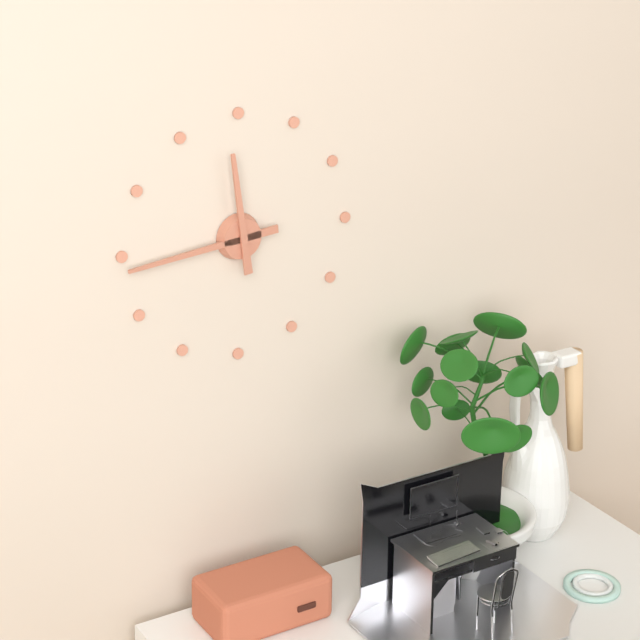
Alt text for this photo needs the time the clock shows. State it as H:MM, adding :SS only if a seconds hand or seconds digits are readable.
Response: 11:44
